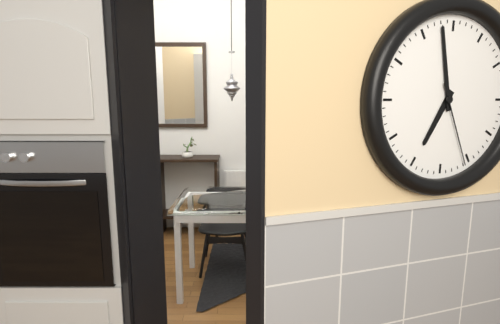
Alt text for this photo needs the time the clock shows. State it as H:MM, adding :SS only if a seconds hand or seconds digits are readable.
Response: 6:58:26
